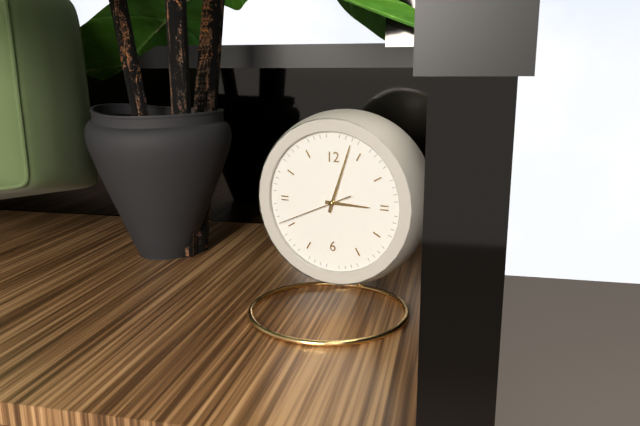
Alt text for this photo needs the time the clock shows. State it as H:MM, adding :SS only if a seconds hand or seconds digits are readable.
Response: 3:03:41
